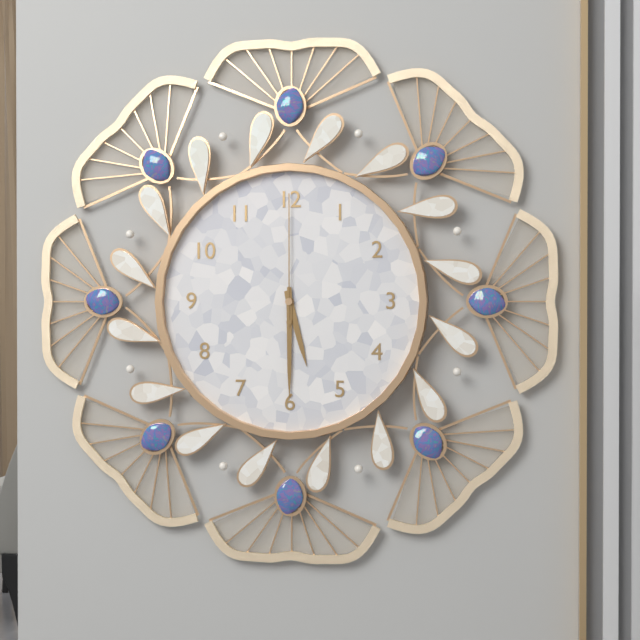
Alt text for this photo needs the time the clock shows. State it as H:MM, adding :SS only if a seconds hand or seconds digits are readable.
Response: 5:30:00
